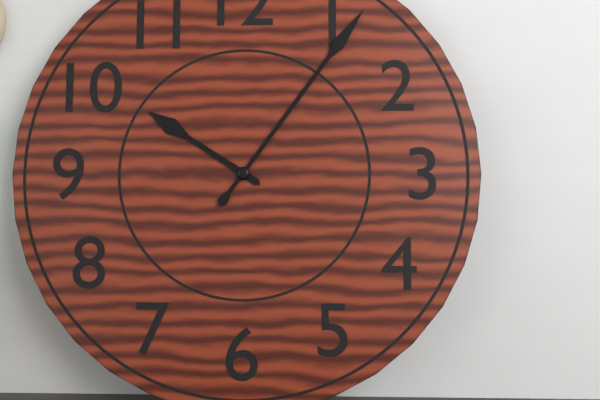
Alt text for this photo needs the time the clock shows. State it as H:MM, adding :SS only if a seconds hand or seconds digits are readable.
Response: 10:06
